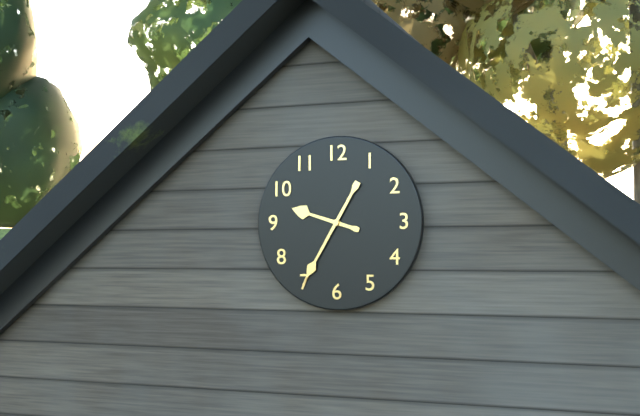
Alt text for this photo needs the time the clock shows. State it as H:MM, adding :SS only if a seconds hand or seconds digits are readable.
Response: 9:35
